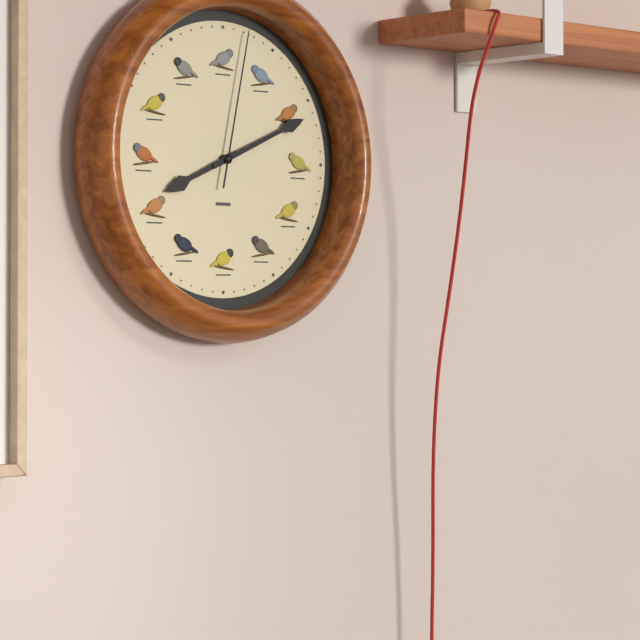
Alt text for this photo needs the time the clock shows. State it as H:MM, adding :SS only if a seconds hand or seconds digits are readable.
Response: 8:11:02
